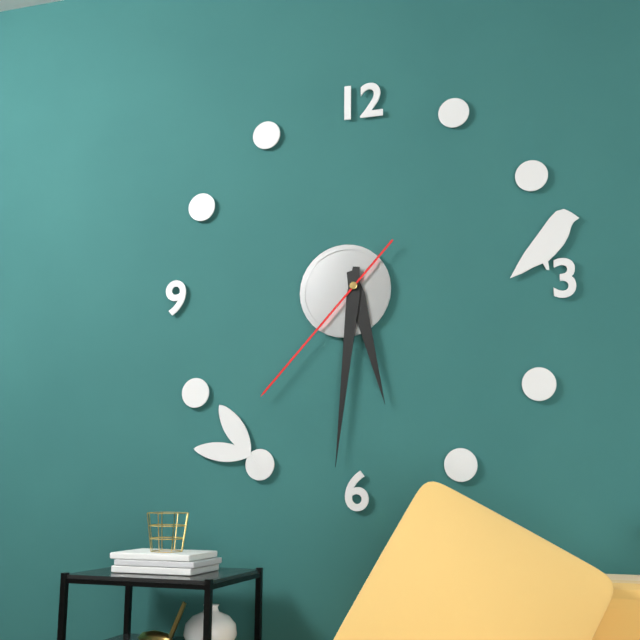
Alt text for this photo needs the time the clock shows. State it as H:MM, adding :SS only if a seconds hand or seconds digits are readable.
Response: 5:31:37
